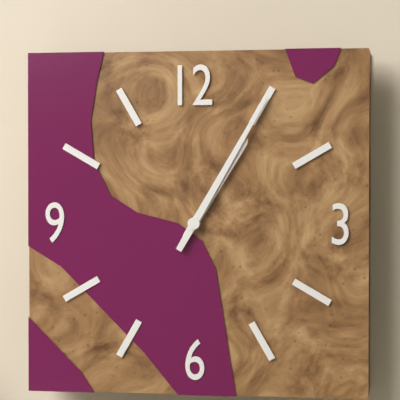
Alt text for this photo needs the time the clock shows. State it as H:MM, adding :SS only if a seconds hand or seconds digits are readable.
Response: 1:05
